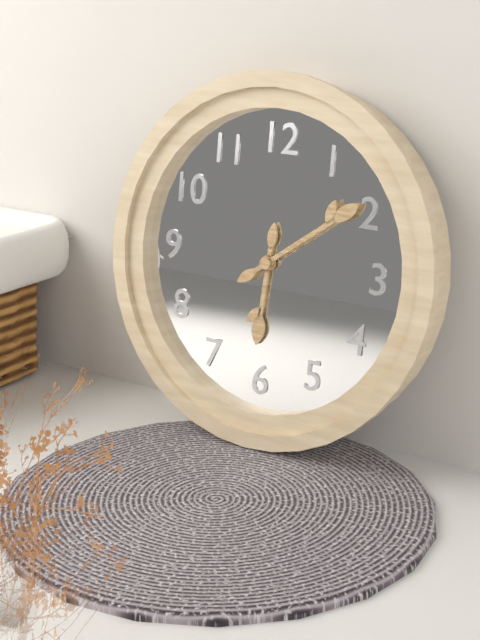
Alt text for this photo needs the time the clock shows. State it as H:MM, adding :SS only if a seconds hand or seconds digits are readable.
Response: 6:09
